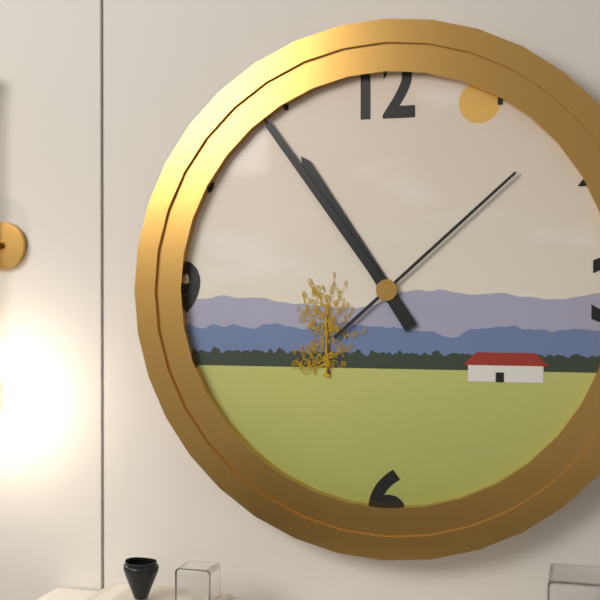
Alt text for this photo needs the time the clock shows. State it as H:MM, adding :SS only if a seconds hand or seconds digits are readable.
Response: 10:54:08
